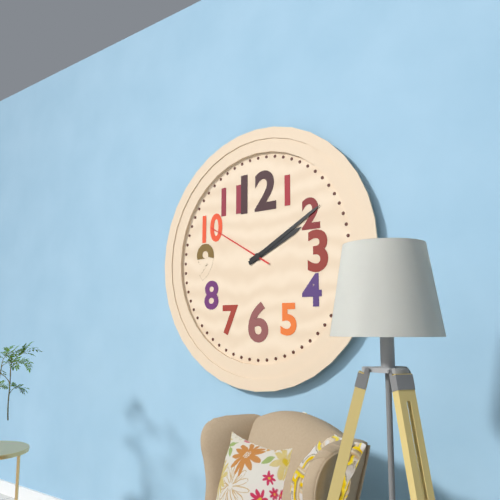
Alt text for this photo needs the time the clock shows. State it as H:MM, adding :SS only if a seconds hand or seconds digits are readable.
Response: 2:10:50
